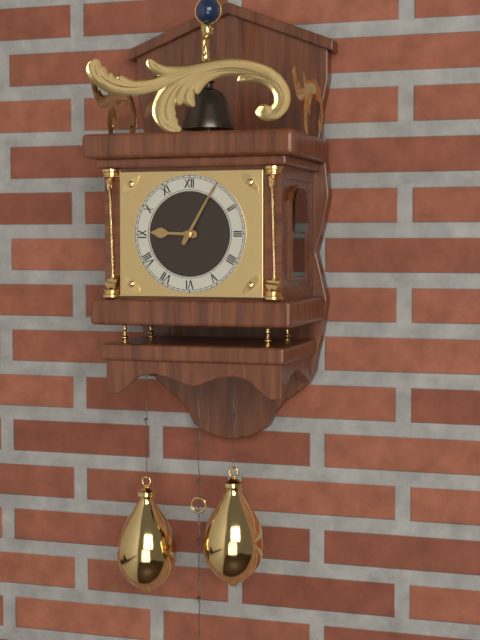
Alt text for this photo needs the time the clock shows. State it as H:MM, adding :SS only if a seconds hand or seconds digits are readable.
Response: 9:05
